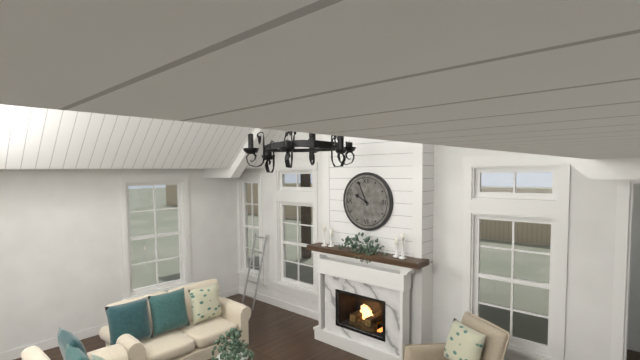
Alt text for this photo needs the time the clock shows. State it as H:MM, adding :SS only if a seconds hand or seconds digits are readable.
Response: 9:56
